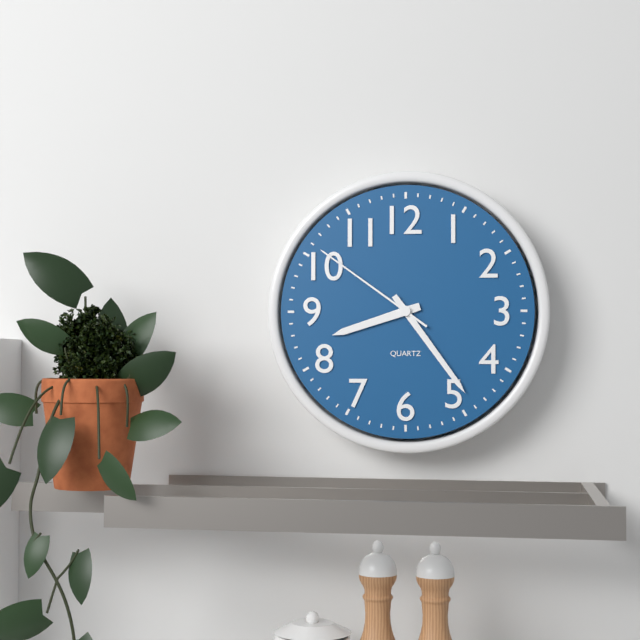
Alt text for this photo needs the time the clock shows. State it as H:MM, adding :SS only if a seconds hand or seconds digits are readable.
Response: 8:24:51
